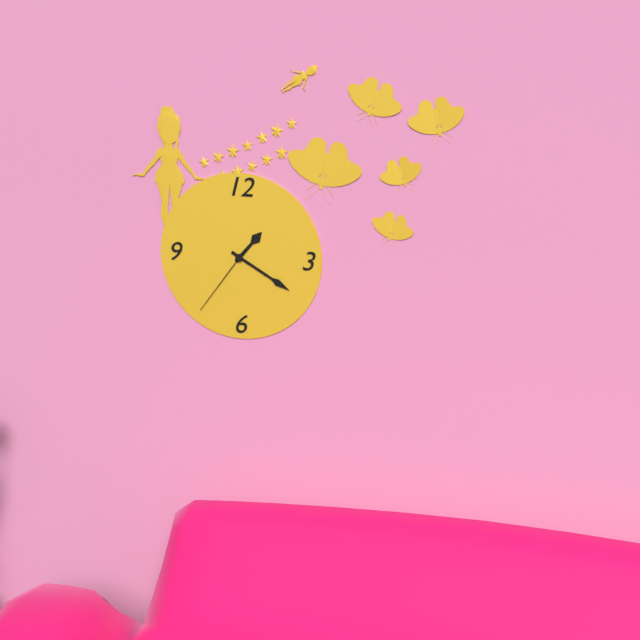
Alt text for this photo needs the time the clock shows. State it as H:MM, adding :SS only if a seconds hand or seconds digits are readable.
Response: 1:20:36
